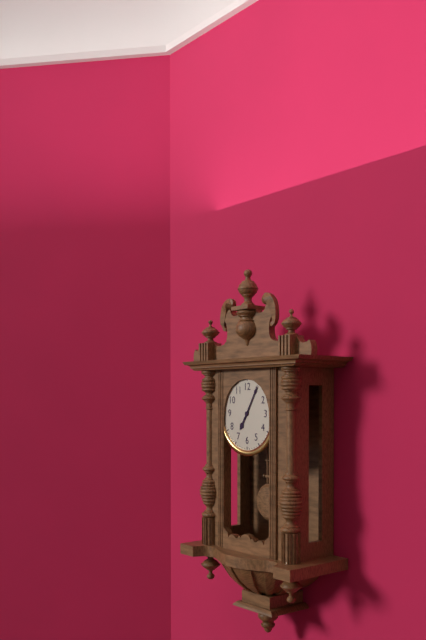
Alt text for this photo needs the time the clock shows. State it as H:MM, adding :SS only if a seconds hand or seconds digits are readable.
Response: 7:05
